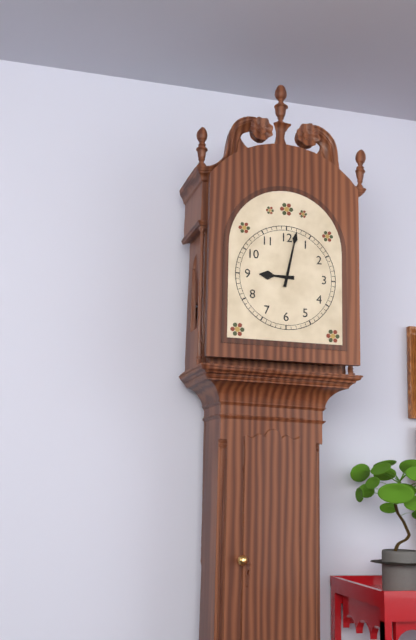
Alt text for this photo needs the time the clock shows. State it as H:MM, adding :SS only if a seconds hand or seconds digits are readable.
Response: 9:02
